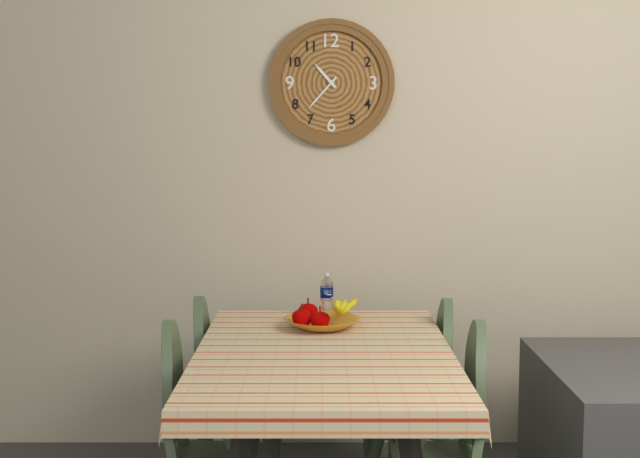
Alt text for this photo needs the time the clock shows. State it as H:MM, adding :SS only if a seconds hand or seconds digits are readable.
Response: 10:37
